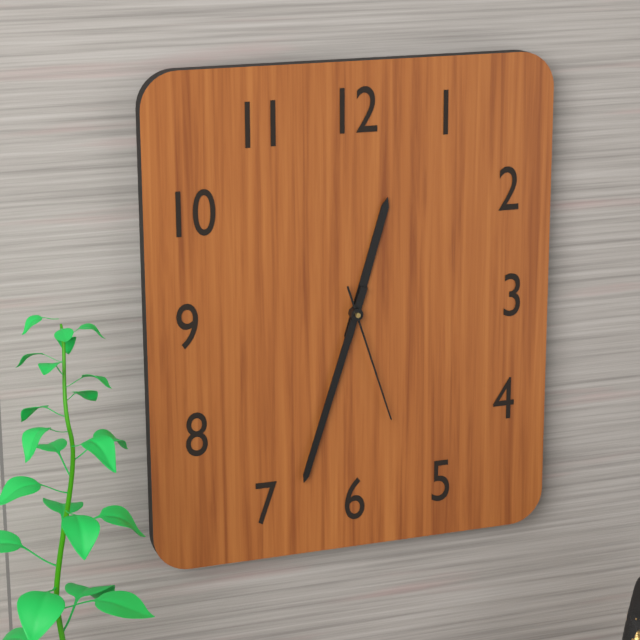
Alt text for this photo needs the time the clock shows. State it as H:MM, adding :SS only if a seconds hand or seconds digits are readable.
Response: 12:33:27
